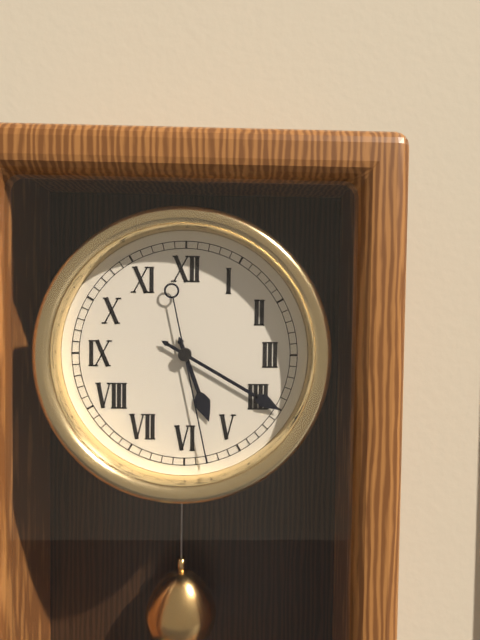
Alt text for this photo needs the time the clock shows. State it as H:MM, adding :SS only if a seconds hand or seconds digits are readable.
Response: 5:20:28
